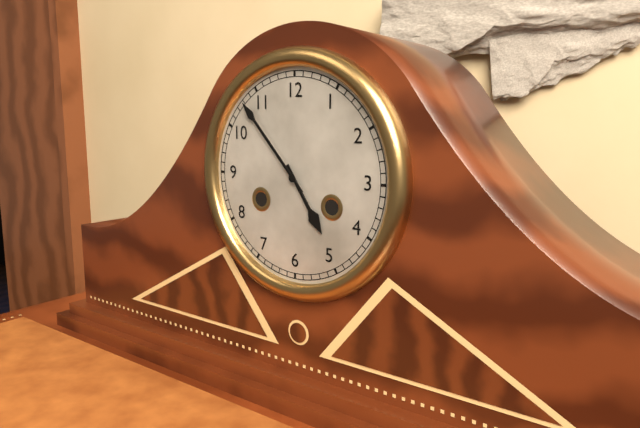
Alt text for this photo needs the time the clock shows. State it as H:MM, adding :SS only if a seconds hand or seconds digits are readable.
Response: 4:53
